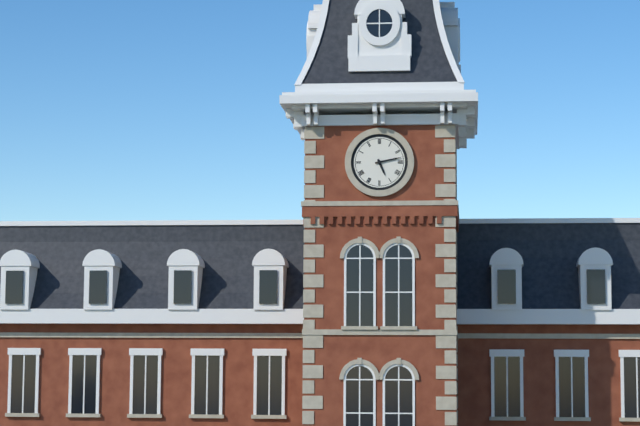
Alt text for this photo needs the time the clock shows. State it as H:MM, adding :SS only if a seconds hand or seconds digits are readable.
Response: 5:13
